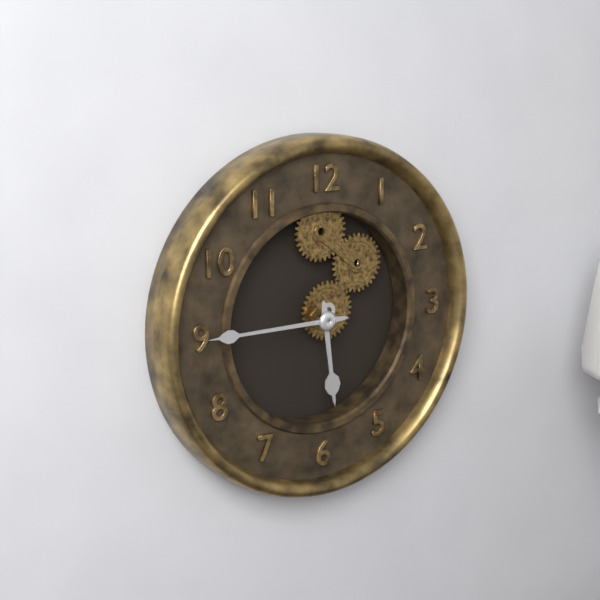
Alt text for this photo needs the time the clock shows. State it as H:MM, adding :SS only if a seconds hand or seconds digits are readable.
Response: 5:45
